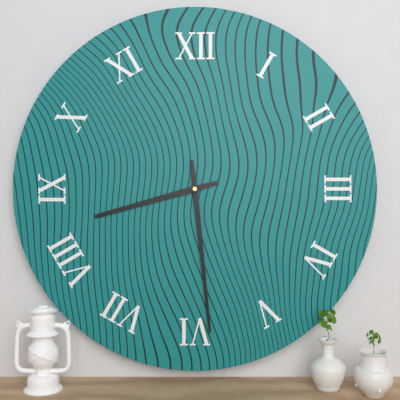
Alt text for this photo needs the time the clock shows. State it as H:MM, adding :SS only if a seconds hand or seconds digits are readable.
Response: 8:29
